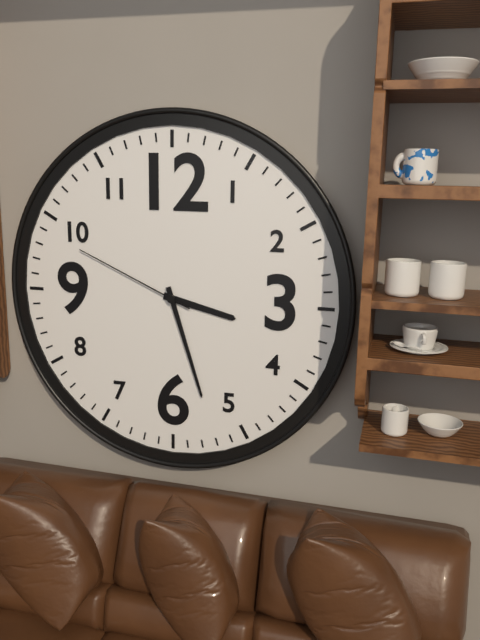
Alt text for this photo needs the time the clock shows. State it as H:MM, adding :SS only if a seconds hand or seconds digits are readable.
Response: 3:27:49
